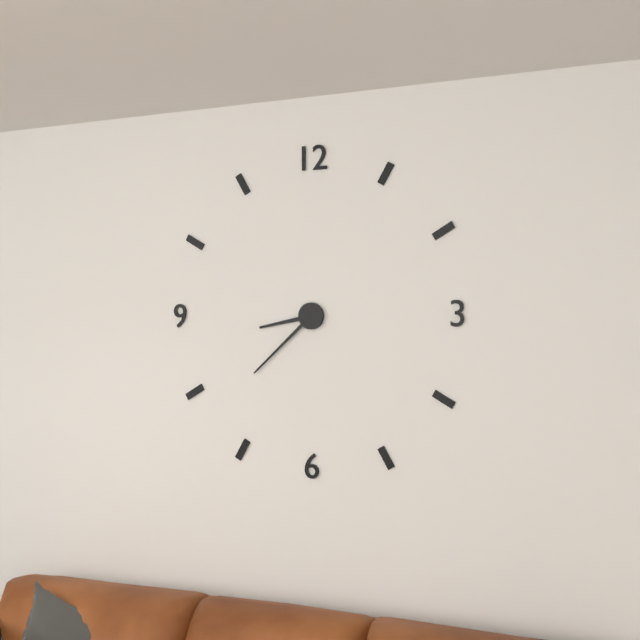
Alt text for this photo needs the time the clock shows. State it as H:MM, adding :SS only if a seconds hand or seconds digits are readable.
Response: 8:38
